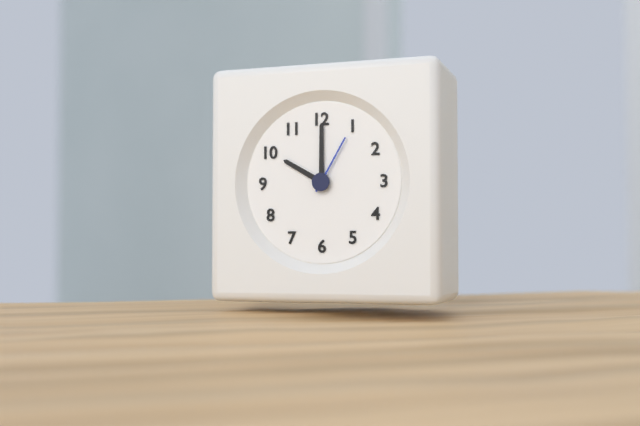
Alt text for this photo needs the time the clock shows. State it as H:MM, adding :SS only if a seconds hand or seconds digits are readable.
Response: 10:00:05
